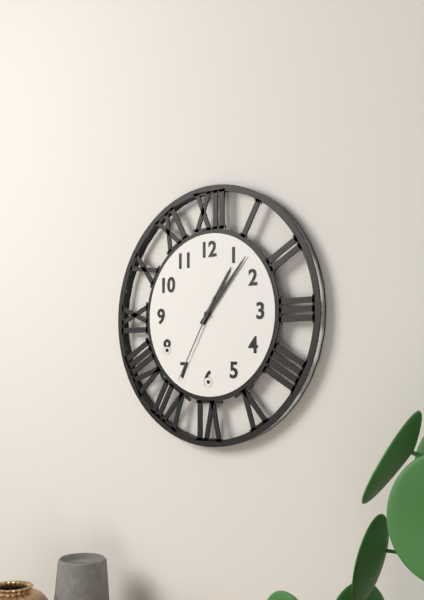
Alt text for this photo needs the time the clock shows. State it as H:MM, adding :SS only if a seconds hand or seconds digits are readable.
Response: 1:07:35
